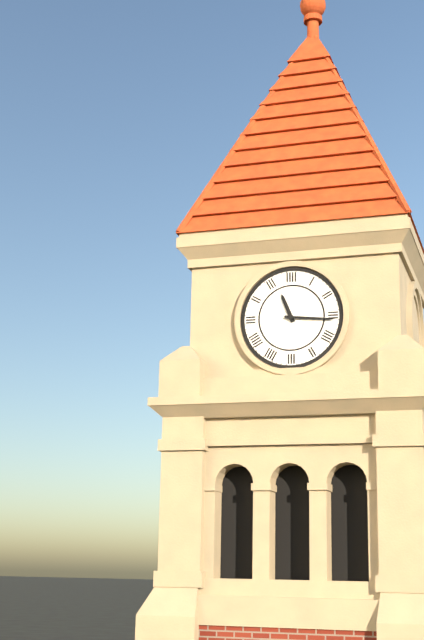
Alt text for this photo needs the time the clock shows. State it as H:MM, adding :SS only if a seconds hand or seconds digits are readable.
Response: 11:16
